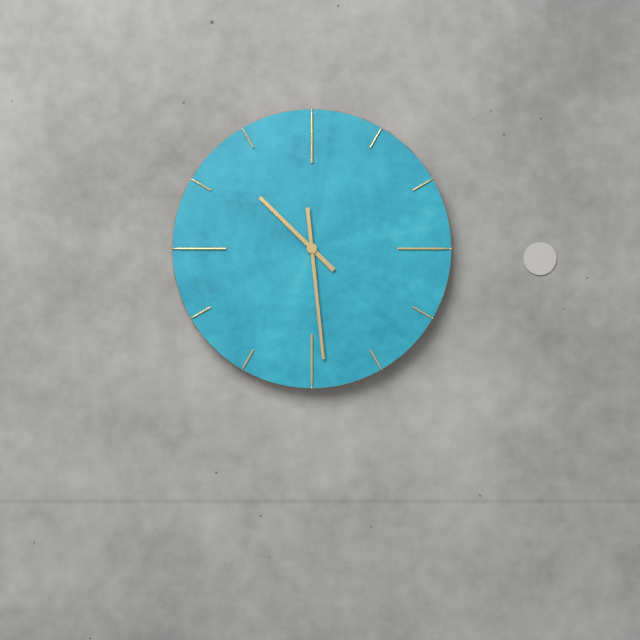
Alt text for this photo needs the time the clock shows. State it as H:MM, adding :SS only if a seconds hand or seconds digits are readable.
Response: 10:29
